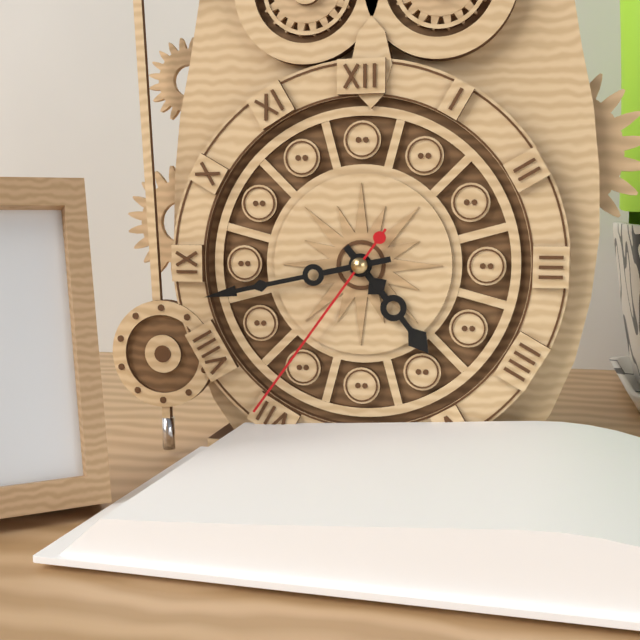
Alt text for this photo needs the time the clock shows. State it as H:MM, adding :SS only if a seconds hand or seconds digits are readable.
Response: 4:43:36
